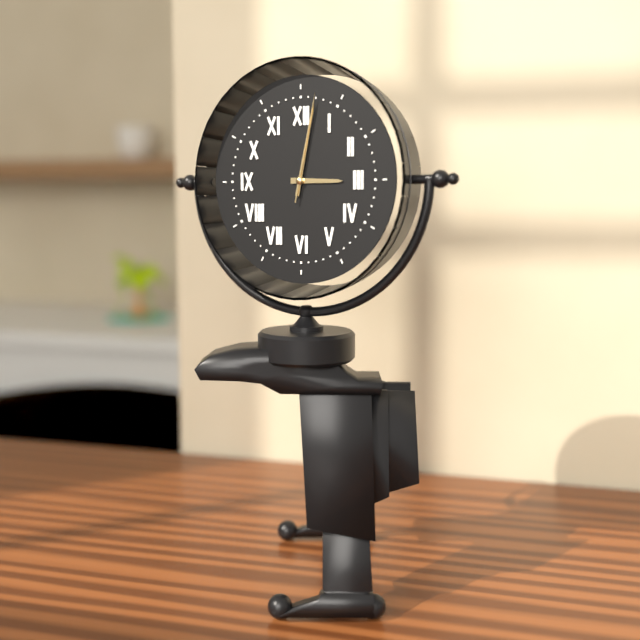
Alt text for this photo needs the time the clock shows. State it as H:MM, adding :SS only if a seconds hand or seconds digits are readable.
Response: 3:02:02
